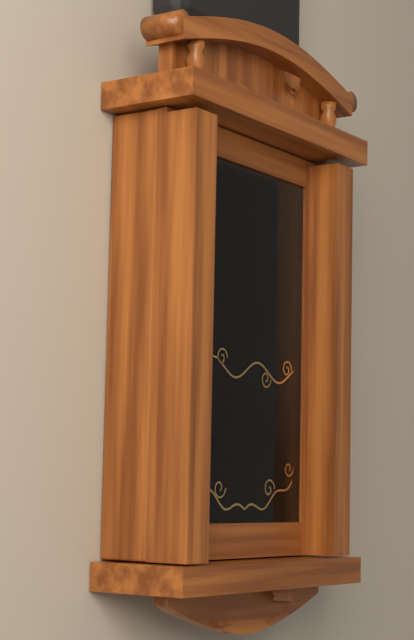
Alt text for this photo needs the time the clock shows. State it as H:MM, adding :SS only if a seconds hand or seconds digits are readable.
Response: 7:48:50
